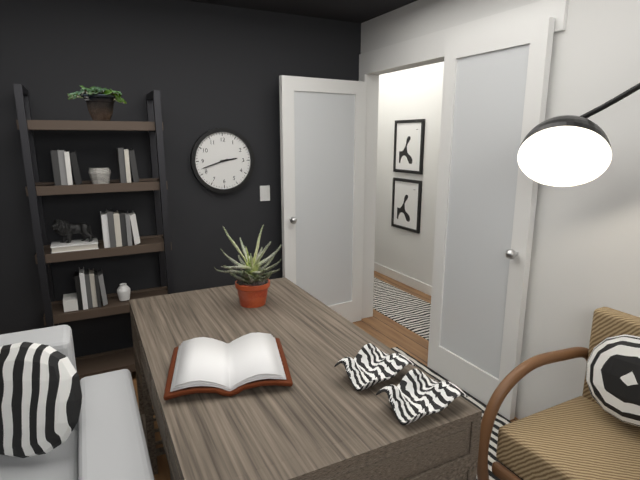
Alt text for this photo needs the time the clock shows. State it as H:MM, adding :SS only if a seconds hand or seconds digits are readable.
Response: 2:42
